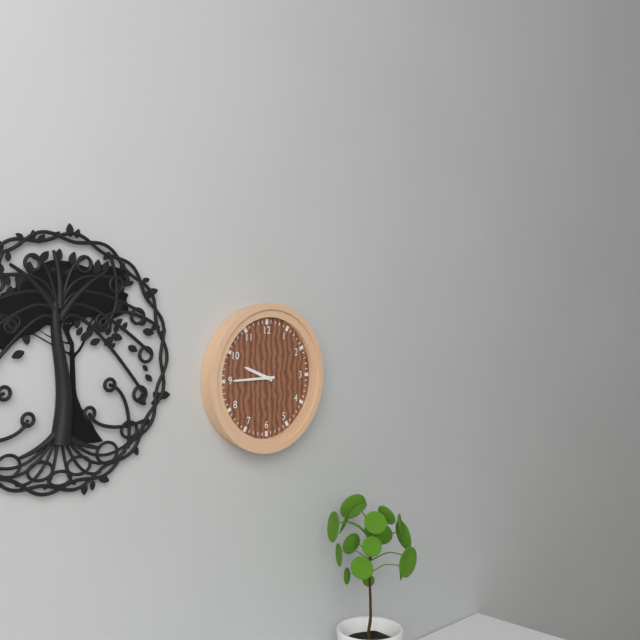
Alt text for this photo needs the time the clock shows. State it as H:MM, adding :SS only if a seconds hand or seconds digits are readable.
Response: 9:45
